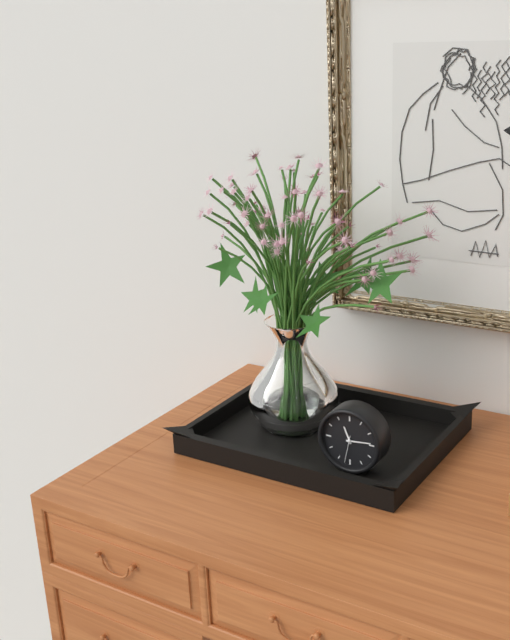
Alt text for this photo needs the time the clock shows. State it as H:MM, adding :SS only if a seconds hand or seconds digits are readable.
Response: 11:14
